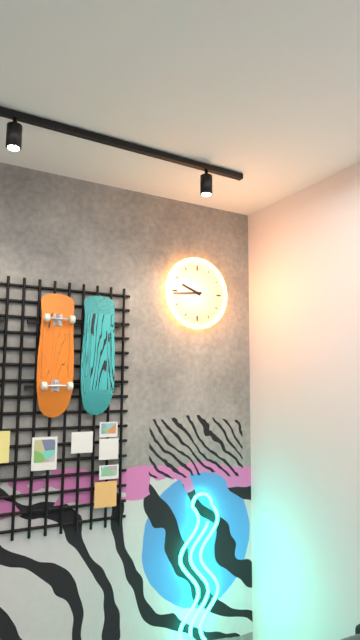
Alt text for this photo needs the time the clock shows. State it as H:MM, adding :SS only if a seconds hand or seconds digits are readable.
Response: 9:44
